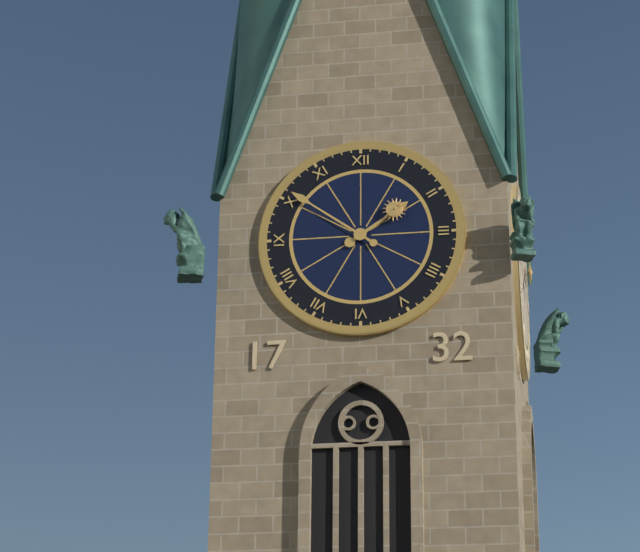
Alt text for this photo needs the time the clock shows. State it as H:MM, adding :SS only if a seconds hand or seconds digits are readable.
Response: 1:51
